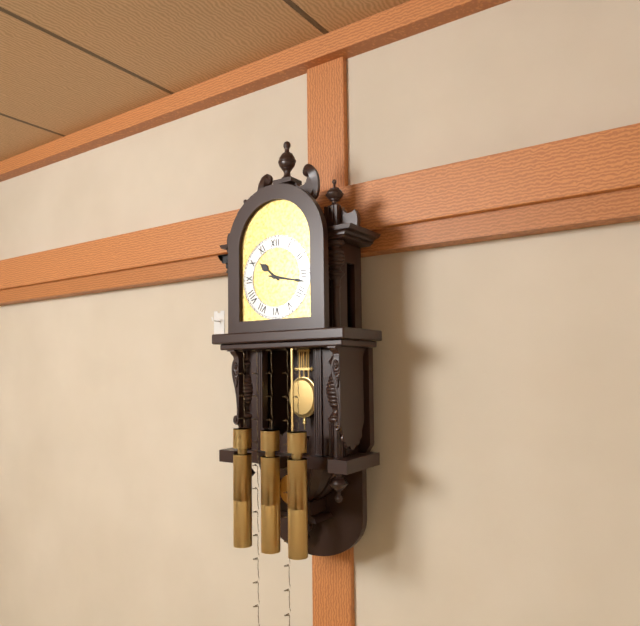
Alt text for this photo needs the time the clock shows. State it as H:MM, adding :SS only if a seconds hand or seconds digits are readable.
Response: 10:17
